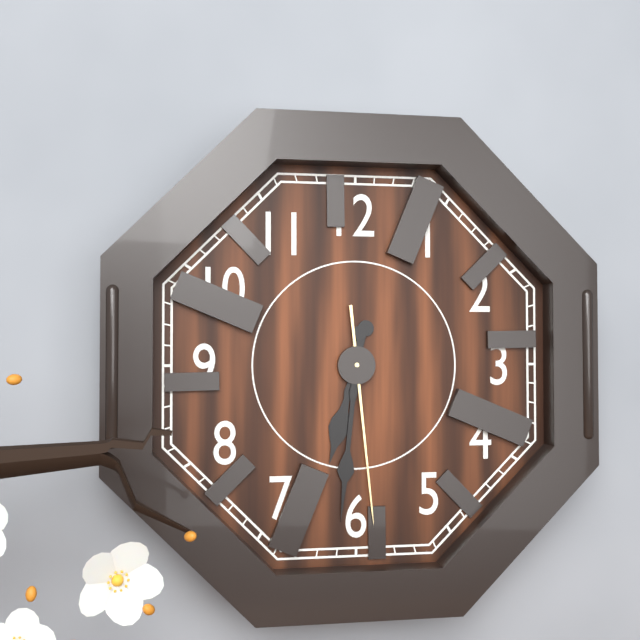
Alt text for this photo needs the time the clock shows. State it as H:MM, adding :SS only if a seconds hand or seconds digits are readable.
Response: 6:31:29
